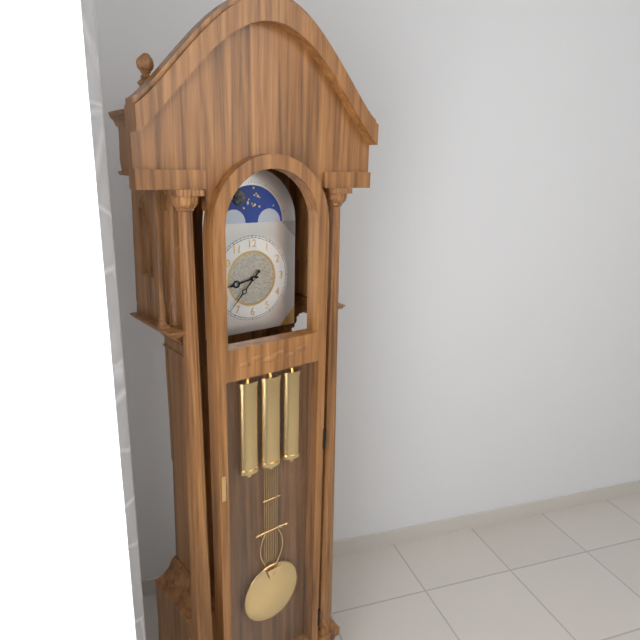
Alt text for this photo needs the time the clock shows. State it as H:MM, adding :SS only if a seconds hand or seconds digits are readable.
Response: 8:37
